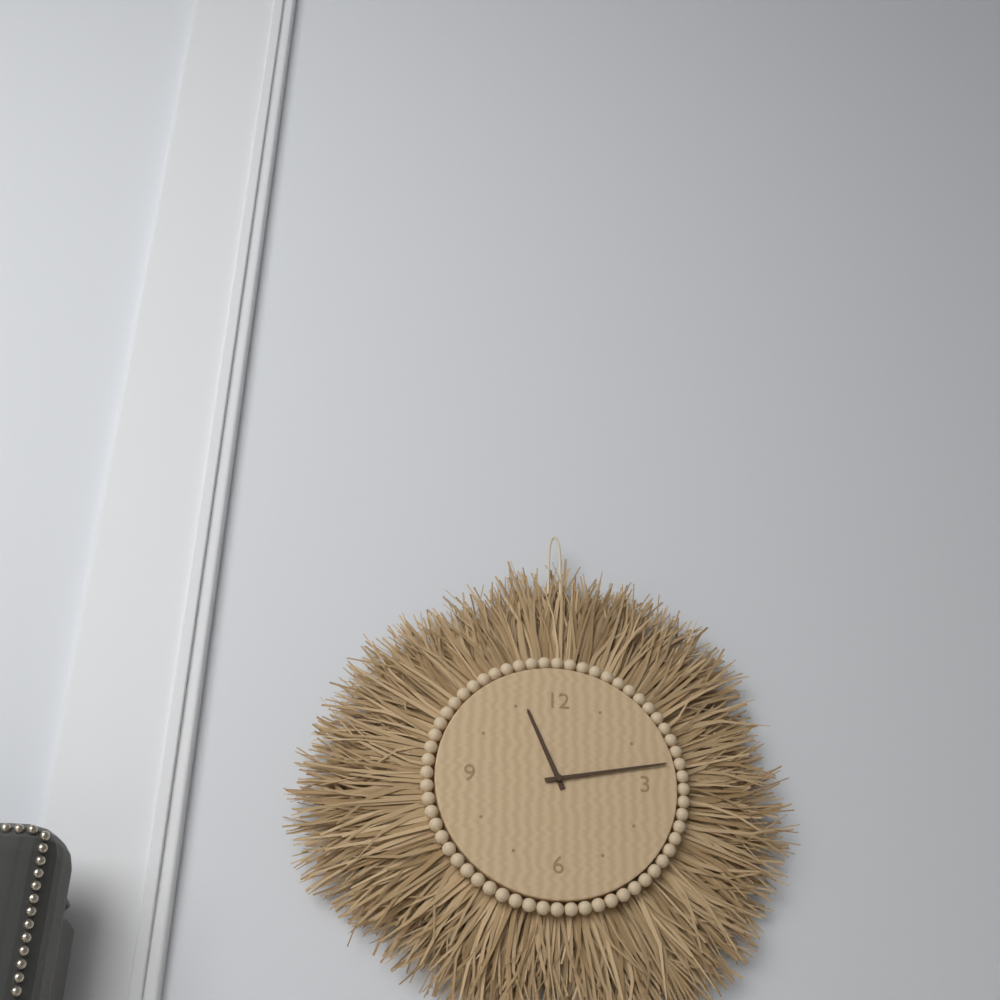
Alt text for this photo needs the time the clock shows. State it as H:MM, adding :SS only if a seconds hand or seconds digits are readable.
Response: 11:13
